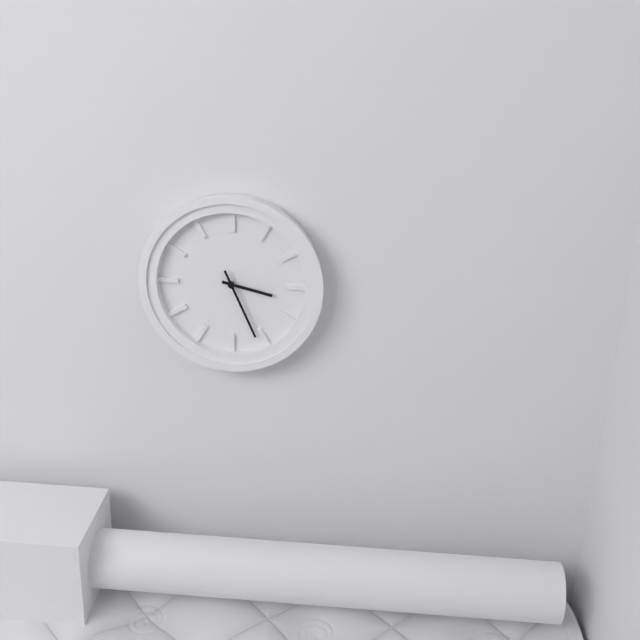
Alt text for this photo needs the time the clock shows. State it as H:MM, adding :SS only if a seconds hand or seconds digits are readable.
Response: 3:26
